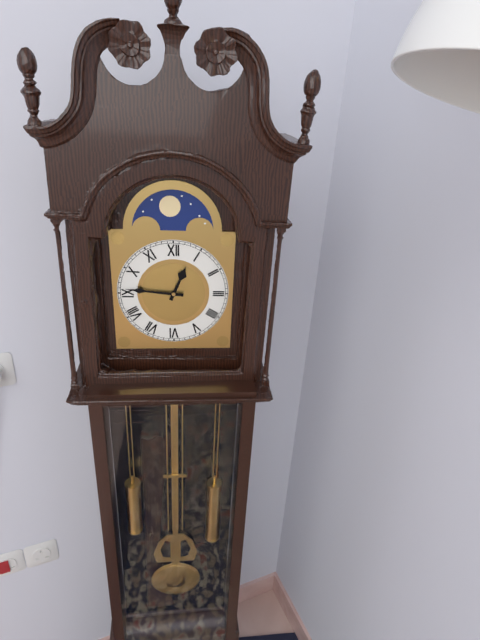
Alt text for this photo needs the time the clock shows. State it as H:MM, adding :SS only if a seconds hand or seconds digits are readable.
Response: 12:46
